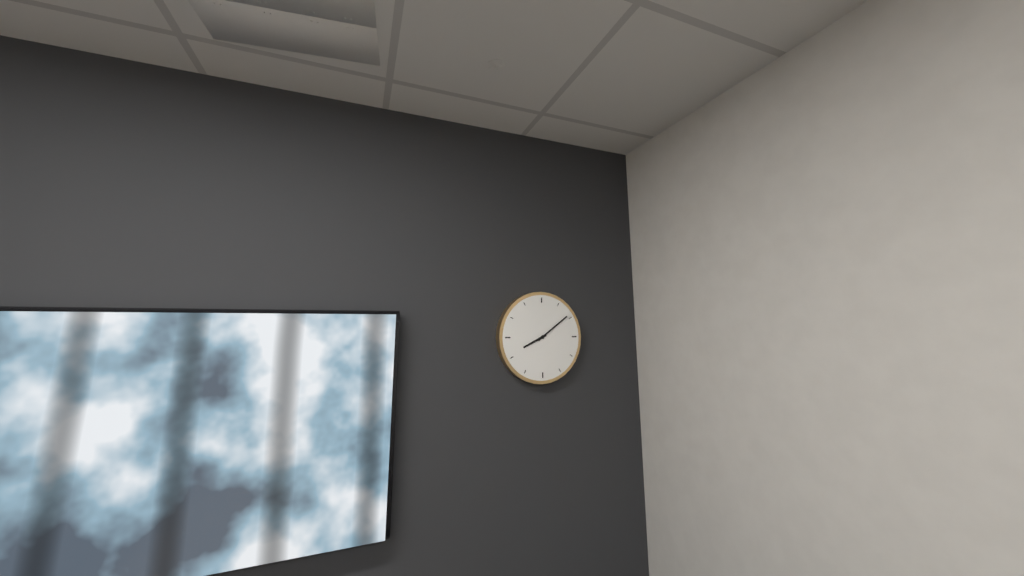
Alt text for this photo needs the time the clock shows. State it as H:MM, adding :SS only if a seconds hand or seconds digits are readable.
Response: 8:09
